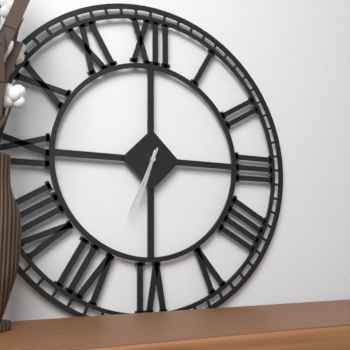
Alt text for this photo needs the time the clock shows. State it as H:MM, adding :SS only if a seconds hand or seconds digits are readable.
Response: 6:34
